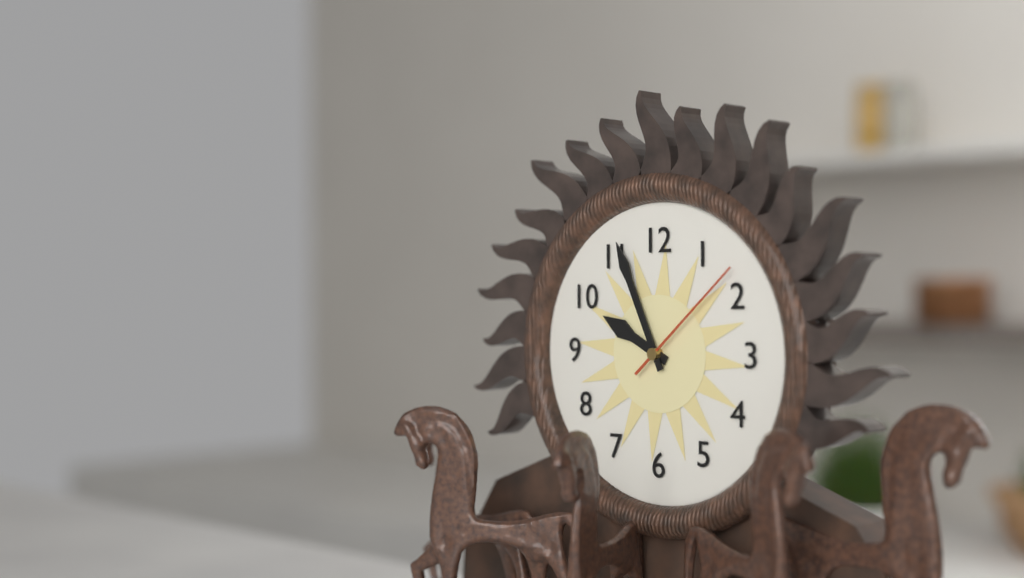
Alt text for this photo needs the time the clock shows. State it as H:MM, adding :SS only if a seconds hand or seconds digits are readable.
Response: 9:56:08
